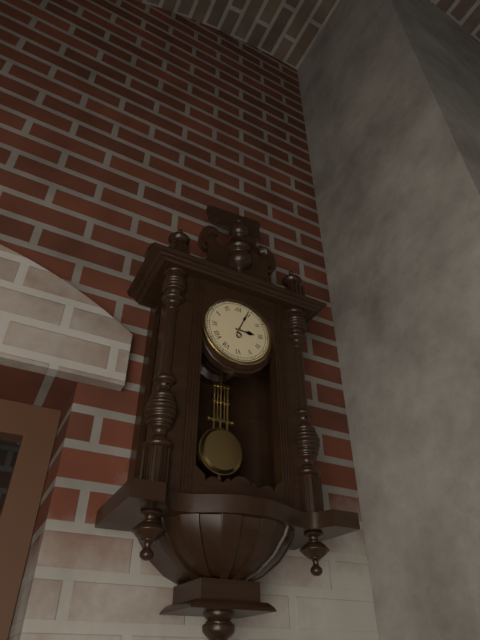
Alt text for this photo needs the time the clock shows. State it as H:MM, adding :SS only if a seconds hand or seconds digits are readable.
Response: 3:04
